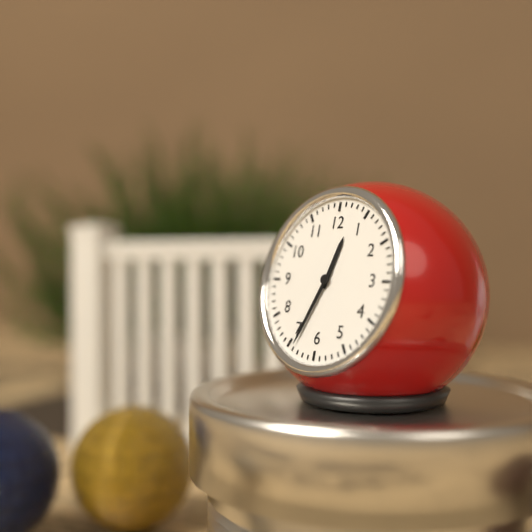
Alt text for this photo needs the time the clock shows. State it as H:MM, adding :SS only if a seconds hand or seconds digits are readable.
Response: 12:34
